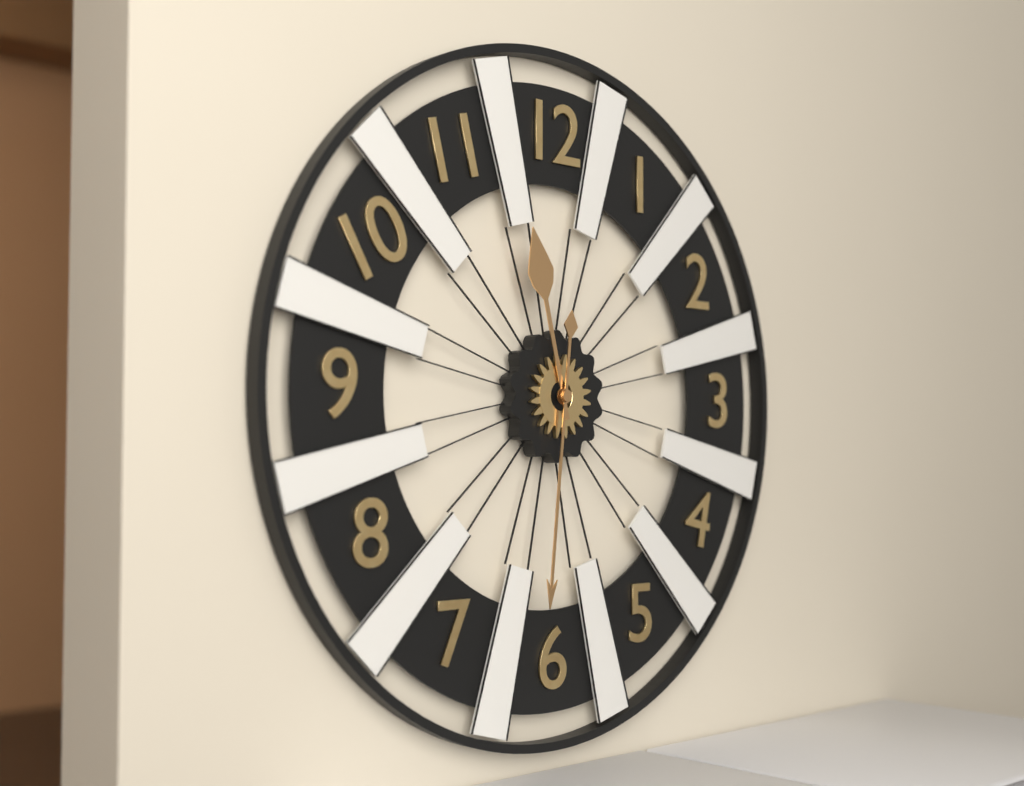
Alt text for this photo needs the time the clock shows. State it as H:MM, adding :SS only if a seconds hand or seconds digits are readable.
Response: 11:31
